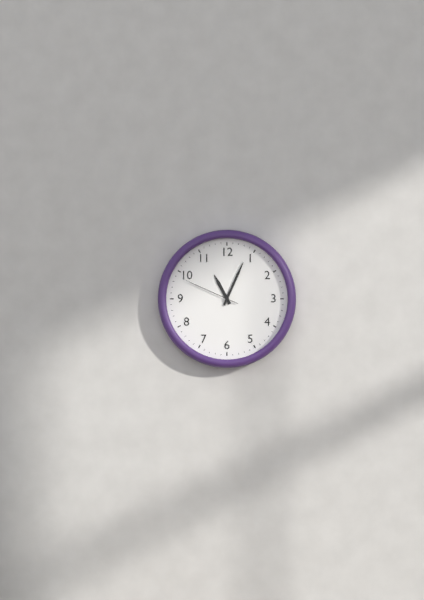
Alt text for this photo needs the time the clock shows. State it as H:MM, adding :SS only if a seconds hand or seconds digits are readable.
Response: 11:04:49
